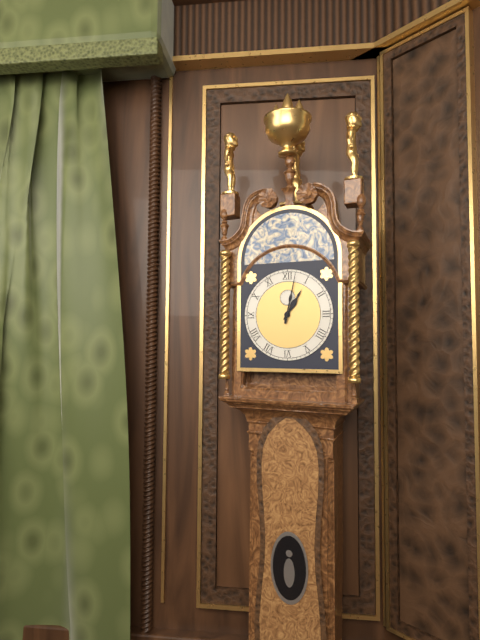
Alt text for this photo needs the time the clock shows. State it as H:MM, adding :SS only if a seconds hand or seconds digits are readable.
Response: 1:02
